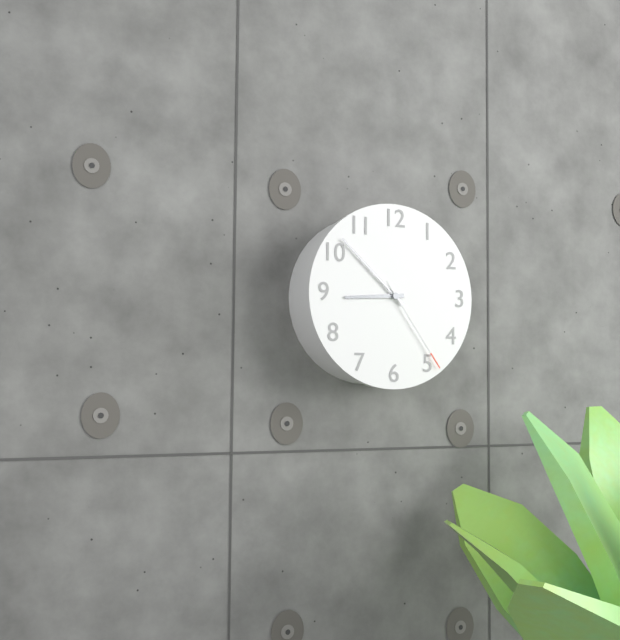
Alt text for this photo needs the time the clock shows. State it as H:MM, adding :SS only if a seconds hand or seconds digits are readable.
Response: 8:52:24
